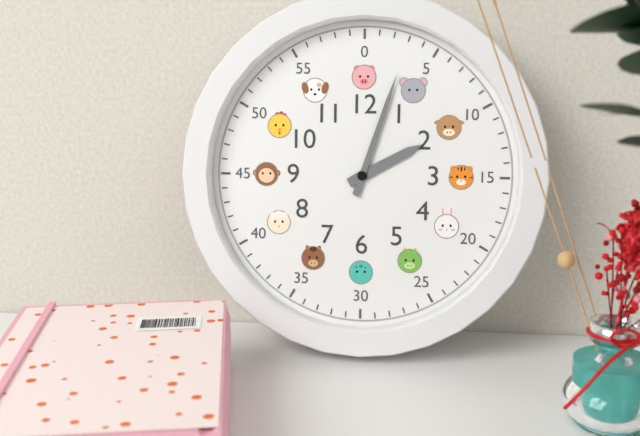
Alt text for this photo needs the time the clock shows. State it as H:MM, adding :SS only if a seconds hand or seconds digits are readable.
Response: 2:03
